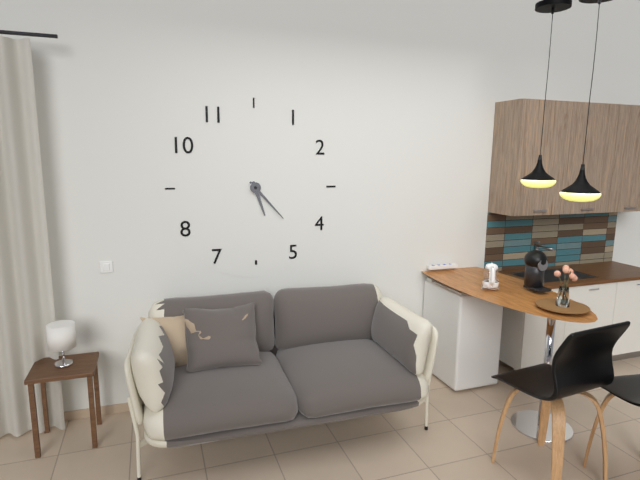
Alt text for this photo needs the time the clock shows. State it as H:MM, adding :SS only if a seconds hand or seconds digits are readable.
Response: 5:23
